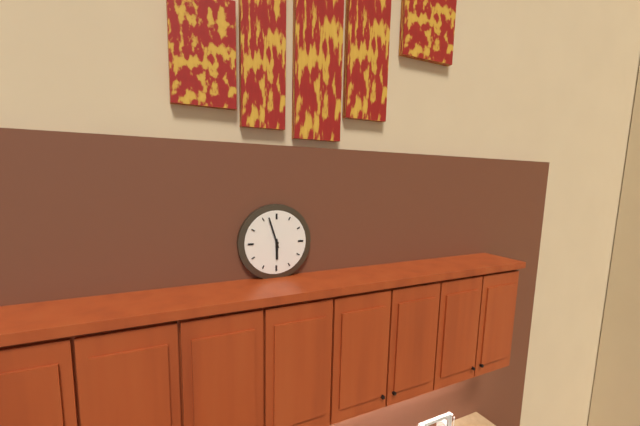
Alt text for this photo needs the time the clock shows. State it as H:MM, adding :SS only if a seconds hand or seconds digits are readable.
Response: 5:57
